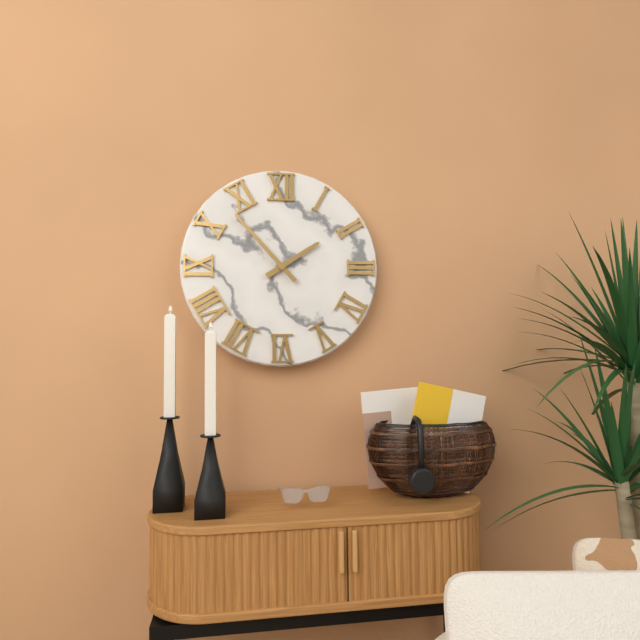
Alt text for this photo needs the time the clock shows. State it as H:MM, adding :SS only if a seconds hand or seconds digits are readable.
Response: 1:53
